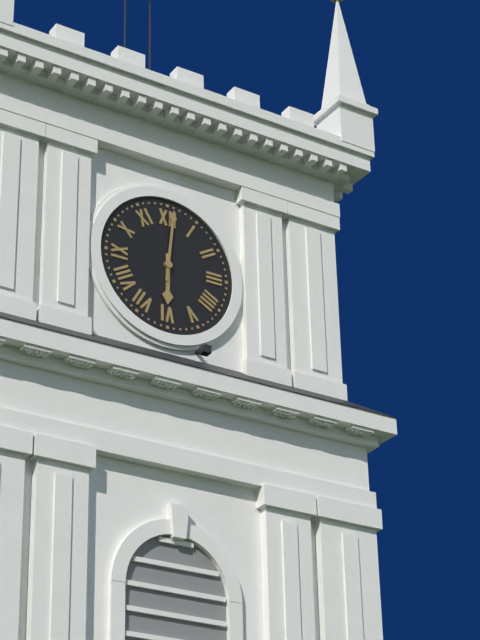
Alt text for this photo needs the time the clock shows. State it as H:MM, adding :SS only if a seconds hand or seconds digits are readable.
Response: 6:01
